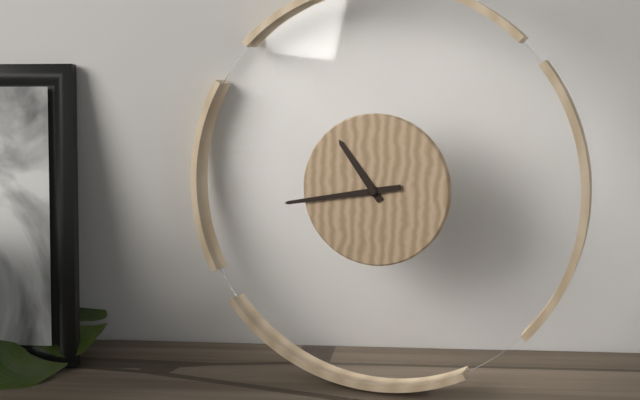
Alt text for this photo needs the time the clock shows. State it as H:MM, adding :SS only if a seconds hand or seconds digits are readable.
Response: 10:43
